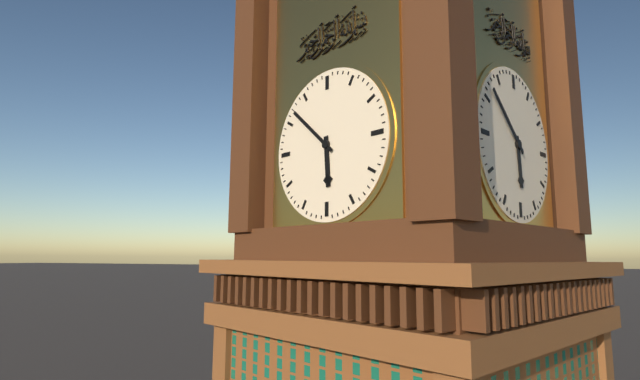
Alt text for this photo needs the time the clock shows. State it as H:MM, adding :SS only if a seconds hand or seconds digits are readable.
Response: 5:52
